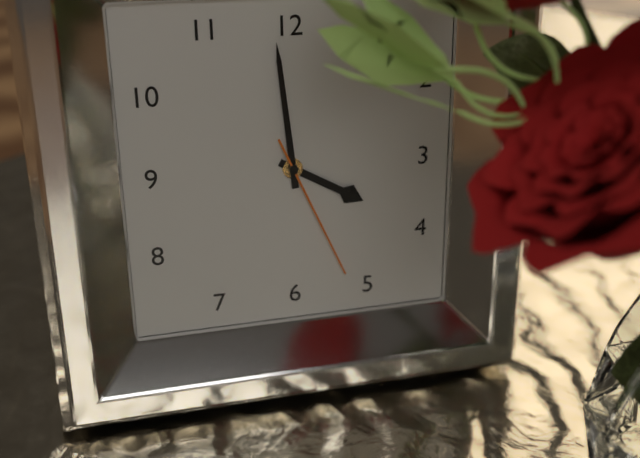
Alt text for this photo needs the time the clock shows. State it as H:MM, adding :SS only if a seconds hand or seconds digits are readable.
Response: 3:59:26
